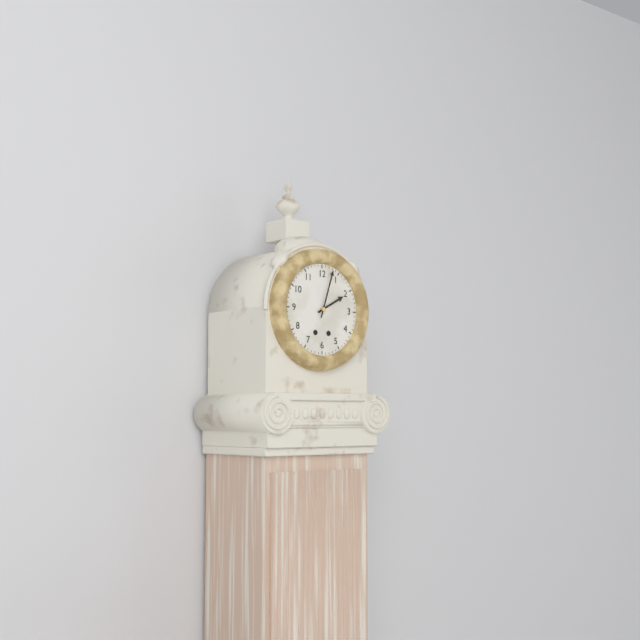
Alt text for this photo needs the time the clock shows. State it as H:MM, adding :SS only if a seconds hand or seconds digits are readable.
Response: 2:03
